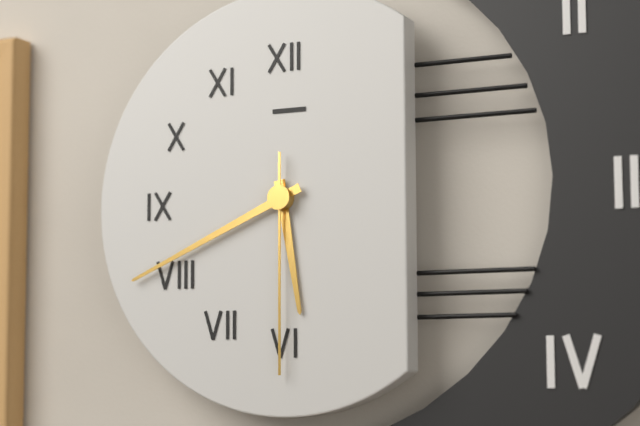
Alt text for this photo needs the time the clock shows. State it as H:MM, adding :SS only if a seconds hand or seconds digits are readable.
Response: 5:41:30
